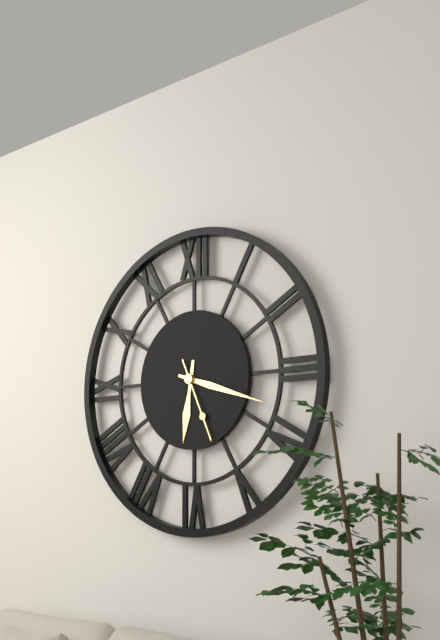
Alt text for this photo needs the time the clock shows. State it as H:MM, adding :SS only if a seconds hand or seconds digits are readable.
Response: 6:18:26
